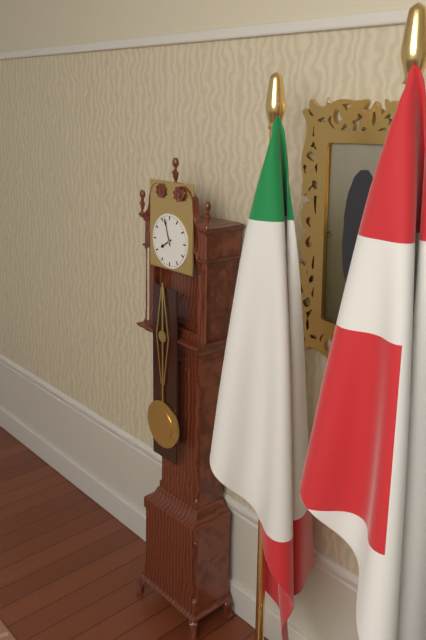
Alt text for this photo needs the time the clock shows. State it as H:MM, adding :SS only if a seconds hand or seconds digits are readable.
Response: 7:57
